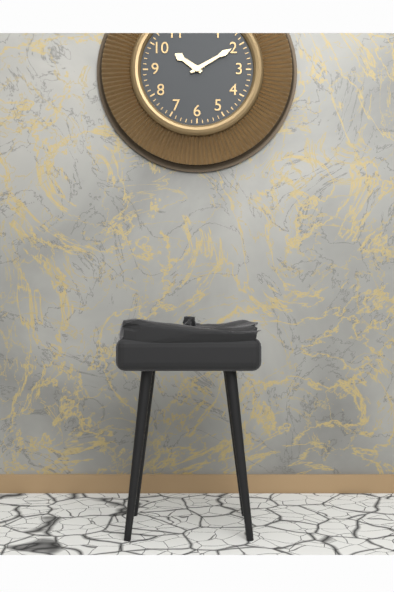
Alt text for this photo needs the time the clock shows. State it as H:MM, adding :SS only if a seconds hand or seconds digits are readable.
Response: 10:10
